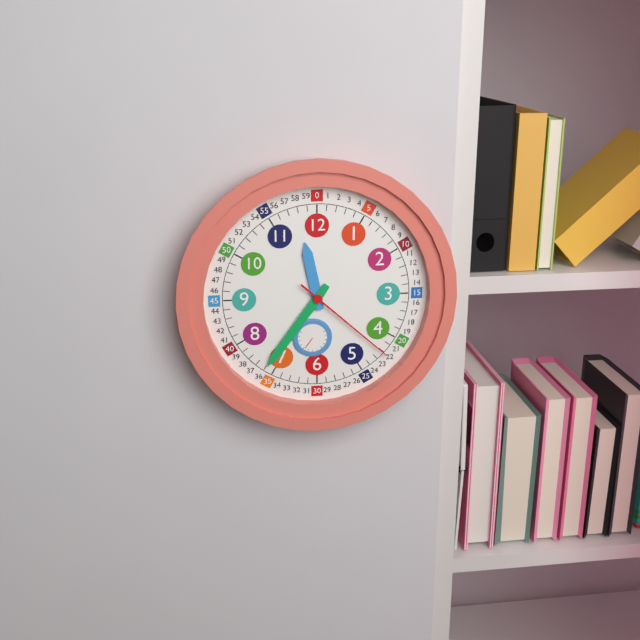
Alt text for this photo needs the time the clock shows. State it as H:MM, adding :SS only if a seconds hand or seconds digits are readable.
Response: 11:36:22
